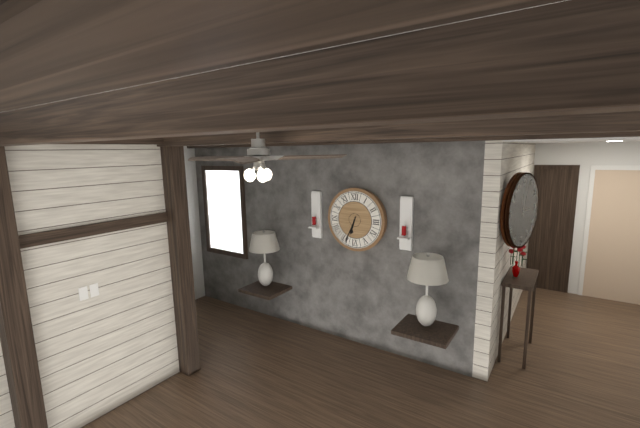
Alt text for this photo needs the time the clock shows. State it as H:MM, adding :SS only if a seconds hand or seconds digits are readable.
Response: 6:34
